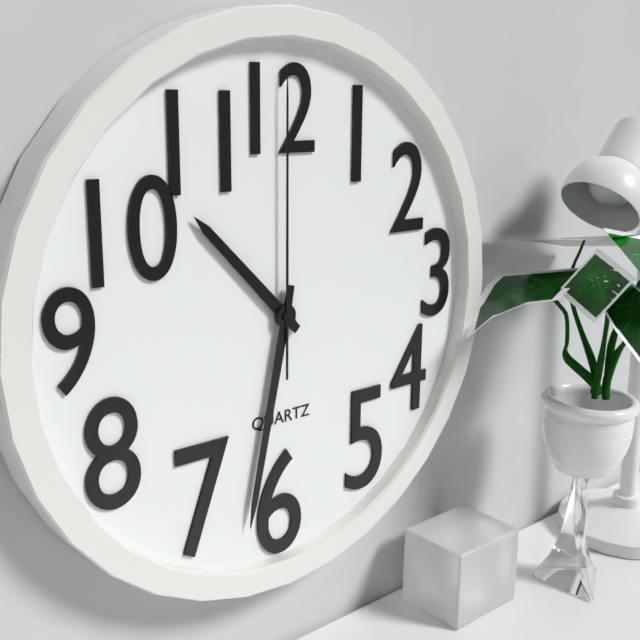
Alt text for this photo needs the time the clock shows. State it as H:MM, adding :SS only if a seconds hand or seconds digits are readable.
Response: 10:32:00
